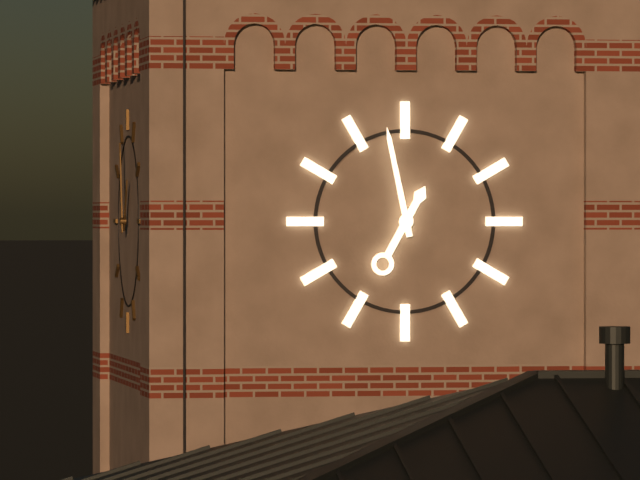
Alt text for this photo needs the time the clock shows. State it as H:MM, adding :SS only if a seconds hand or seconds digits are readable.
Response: 12:58
